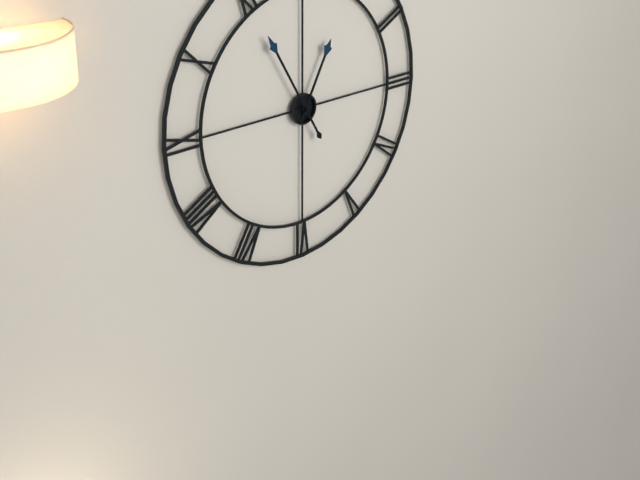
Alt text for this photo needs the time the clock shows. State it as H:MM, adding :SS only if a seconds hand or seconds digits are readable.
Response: 12:55
